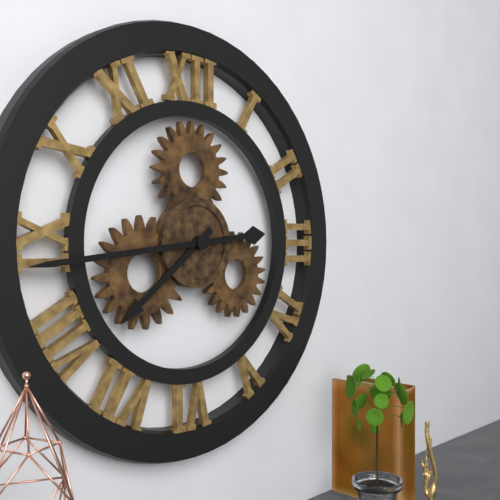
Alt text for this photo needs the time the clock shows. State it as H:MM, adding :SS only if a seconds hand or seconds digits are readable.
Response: 7:44
